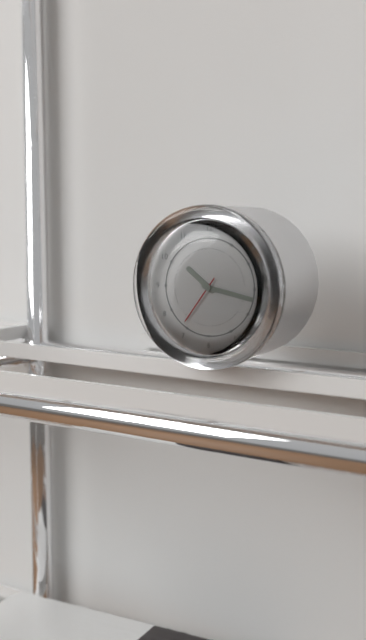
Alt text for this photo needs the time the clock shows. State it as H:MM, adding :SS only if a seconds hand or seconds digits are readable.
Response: 10:17:36
